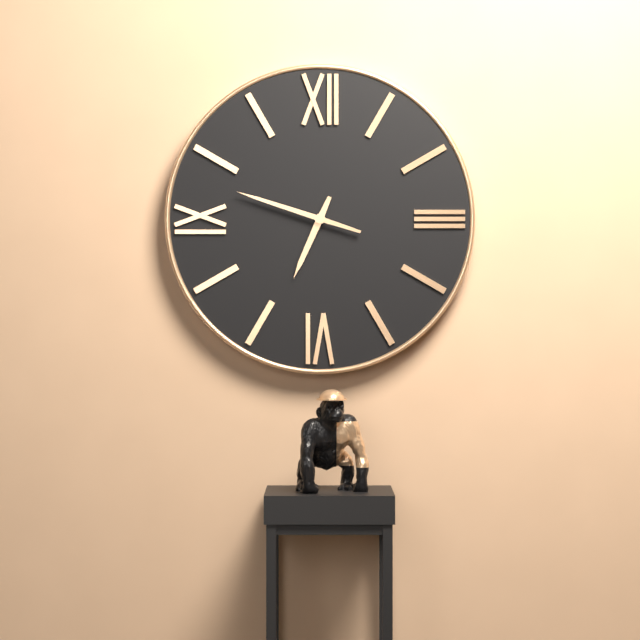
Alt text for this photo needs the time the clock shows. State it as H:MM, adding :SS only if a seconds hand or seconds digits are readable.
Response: 6:48
